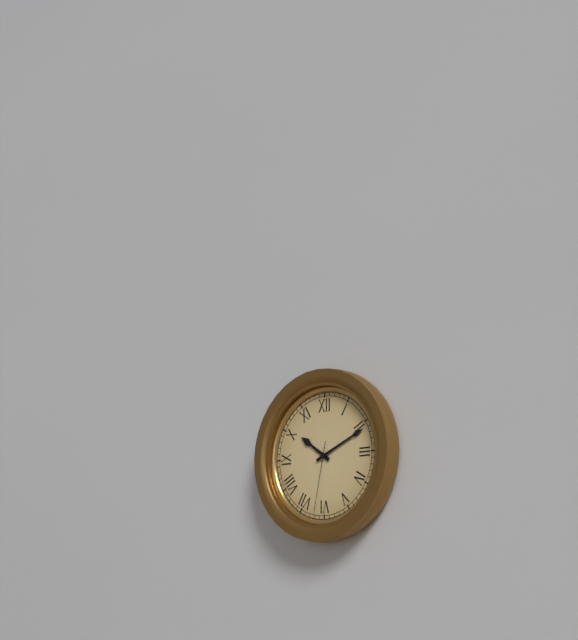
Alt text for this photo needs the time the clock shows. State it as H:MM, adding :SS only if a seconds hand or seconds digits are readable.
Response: 10:11:32
